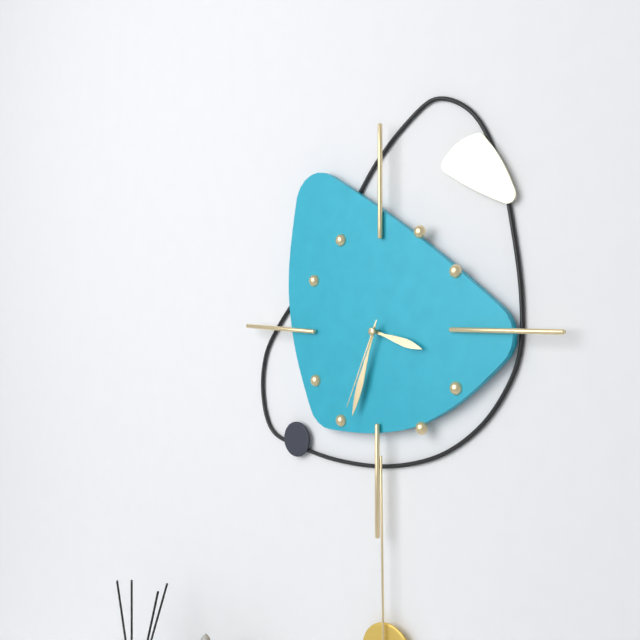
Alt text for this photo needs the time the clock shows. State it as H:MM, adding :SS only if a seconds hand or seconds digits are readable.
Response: 3:33:34
